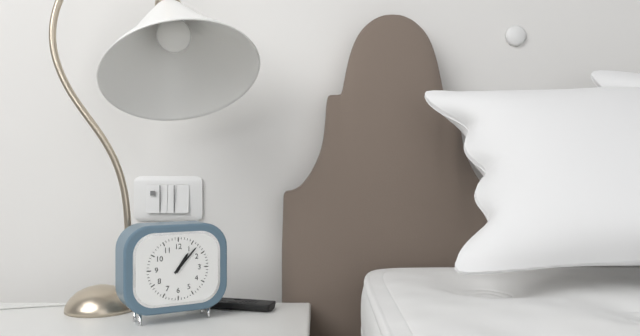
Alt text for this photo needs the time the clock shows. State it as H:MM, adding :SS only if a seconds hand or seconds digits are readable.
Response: 1:07
